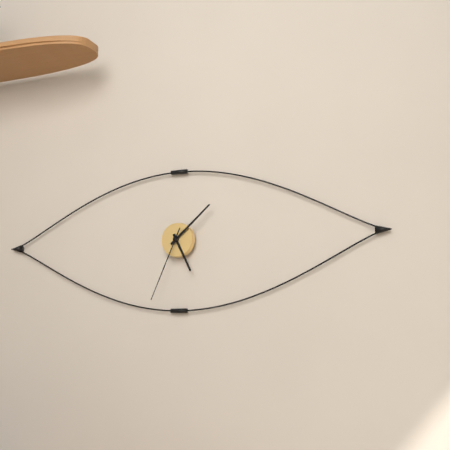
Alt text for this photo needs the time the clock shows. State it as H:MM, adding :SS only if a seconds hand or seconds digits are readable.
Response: 5:08:34
